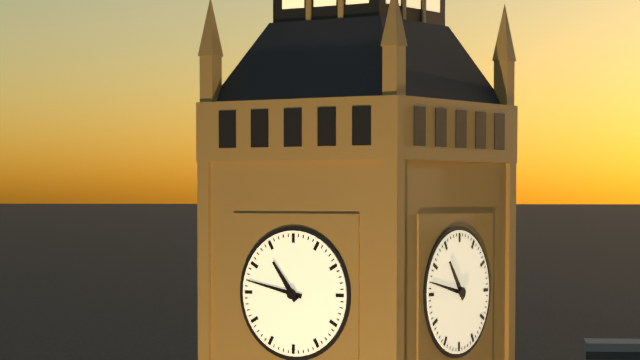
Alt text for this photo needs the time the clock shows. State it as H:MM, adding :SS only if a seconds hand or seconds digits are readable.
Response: 10:47
